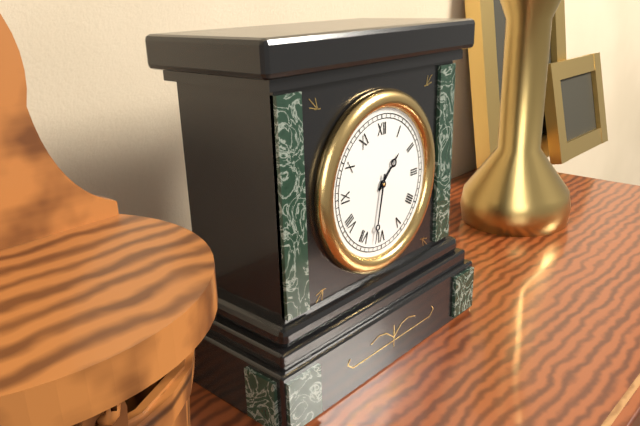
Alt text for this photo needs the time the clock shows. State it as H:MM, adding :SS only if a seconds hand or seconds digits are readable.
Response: 1:32
